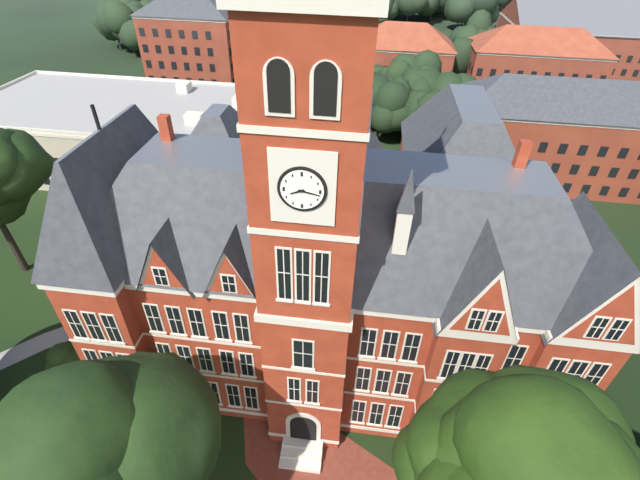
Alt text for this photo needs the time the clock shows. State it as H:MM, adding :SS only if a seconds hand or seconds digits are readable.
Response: 8:17
